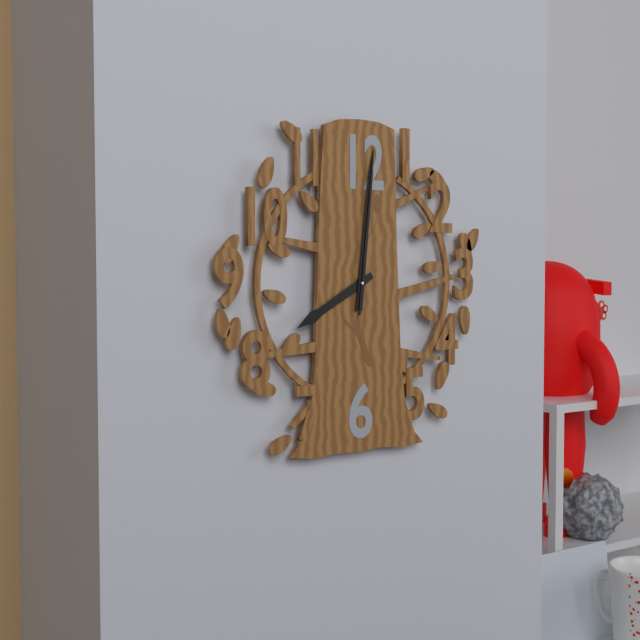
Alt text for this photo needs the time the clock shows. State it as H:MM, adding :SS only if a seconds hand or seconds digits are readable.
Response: 8:01:01
